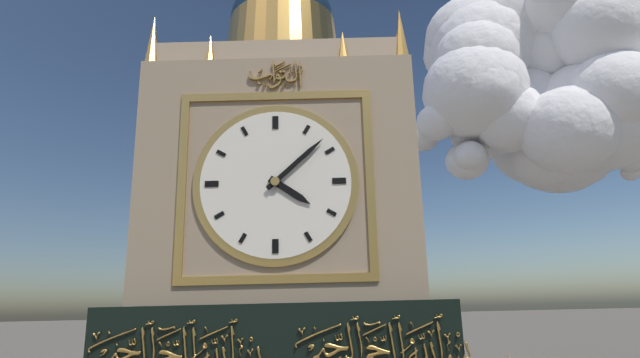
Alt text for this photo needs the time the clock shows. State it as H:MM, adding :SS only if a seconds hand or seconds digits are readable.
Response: 4:08
